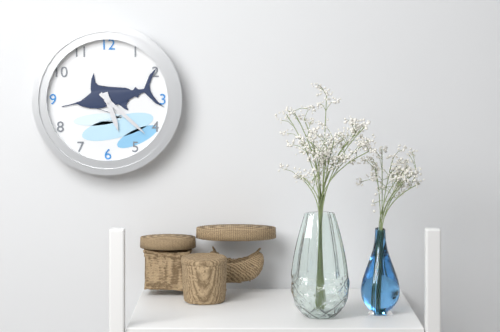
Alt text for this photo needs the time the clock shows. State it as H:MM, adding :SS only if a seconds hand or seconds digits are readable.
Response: 5:22
